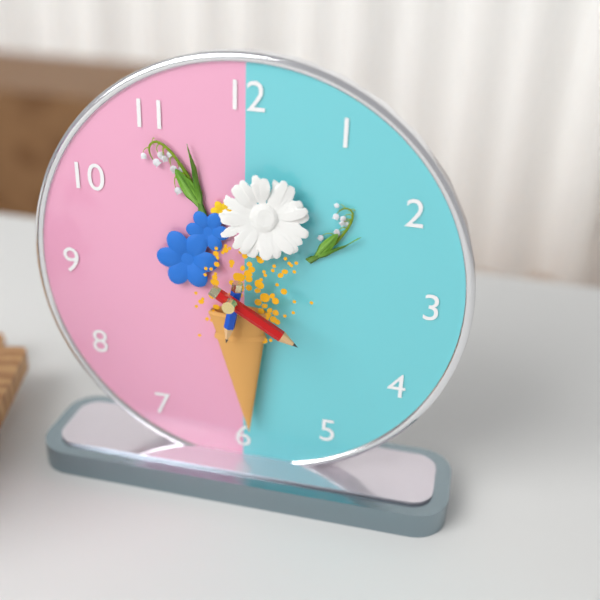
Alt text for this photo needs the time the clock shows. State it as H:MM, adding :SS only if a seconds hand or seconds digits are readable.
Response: 6:20
